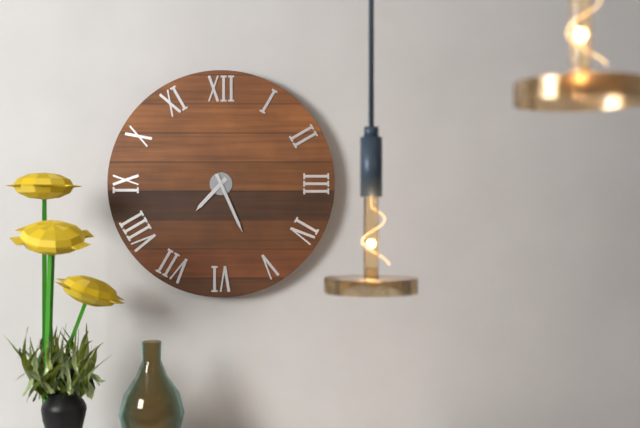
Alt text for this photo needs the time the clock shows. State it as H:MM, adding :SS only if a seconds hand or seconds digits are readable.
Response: 7:26
